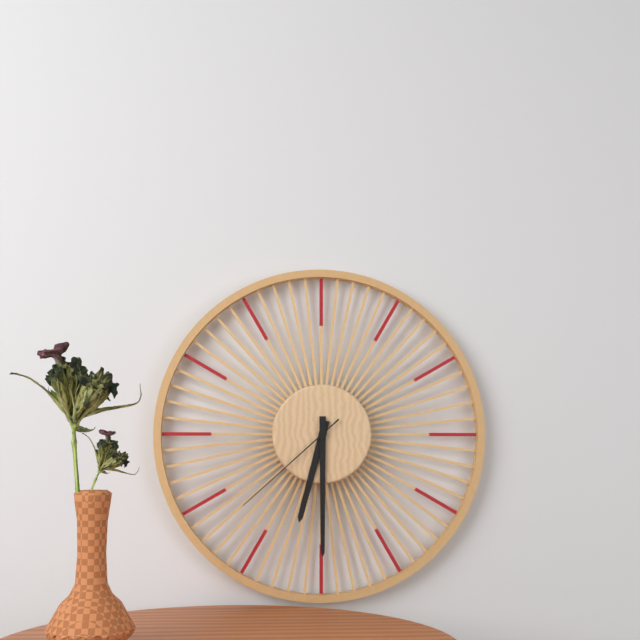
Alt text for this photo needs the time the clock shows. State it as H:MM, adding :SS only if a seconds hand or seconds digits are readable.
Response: 6:30:38
